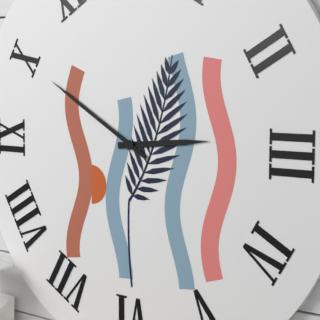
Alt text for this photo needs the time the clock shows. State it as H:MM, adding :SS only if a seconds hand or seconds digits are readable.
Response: 2:50
